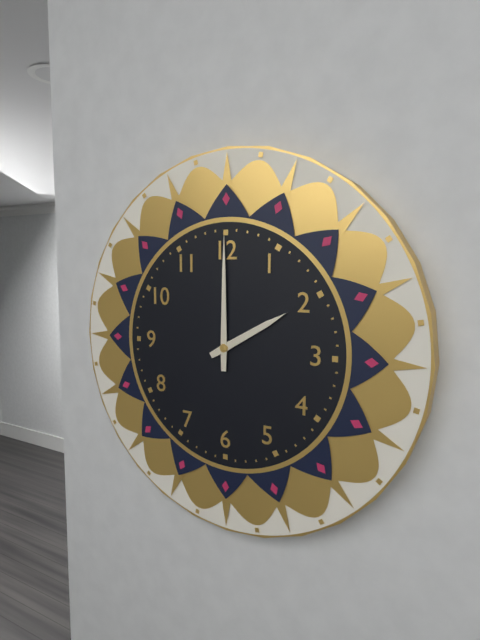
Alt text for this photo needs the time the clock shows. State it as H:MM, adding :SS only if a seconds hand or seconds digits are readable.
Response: 2:00
